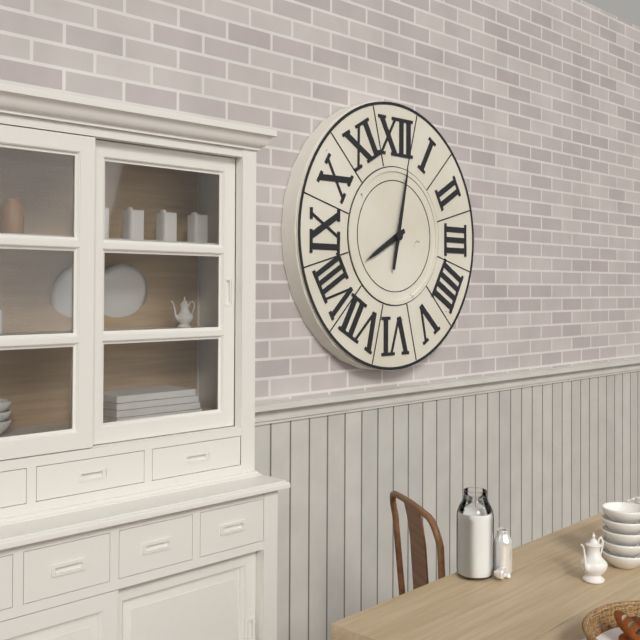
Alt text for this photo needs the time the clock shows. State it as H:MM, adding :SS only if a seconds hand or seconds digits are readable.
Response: 8:02
